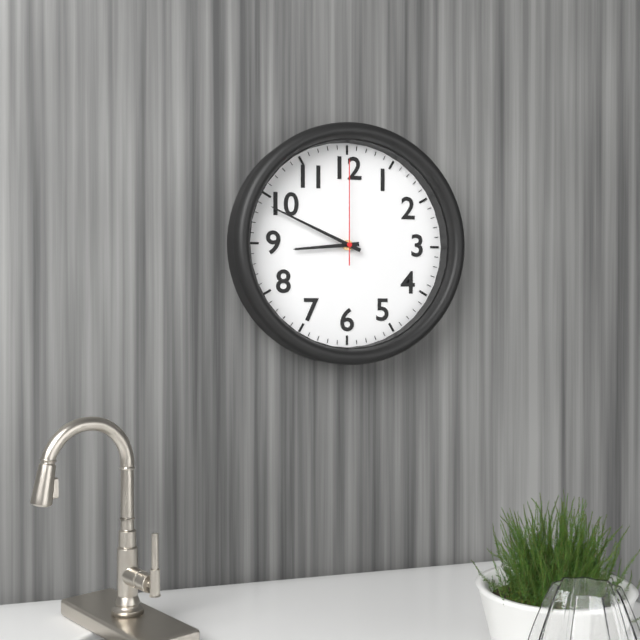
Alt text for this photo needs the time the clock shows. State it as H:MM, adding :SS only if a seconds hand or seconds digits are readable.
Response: 8:49:00
